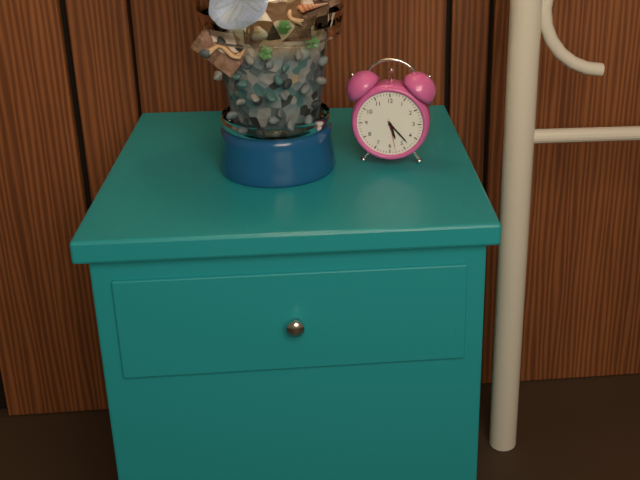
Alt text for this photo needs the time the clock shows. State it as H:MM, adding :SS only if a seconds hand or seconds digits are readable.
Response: 5:23
